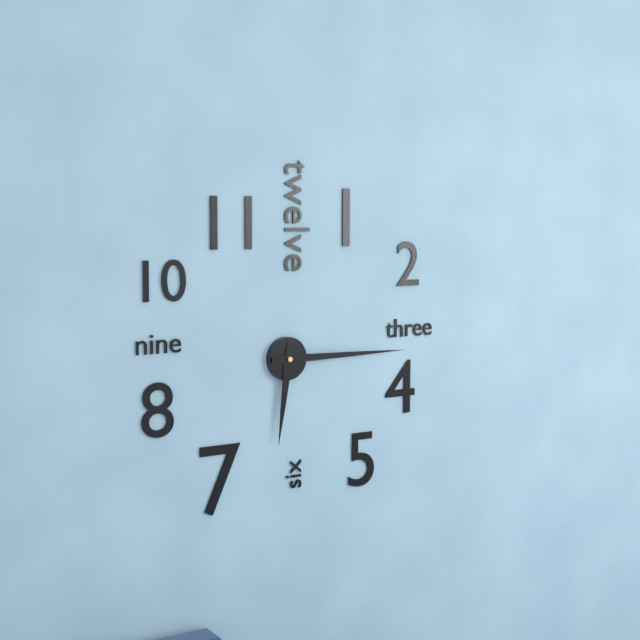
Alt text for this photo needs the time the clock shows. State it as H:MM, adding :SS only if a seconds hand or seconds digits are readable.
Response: 6:15
